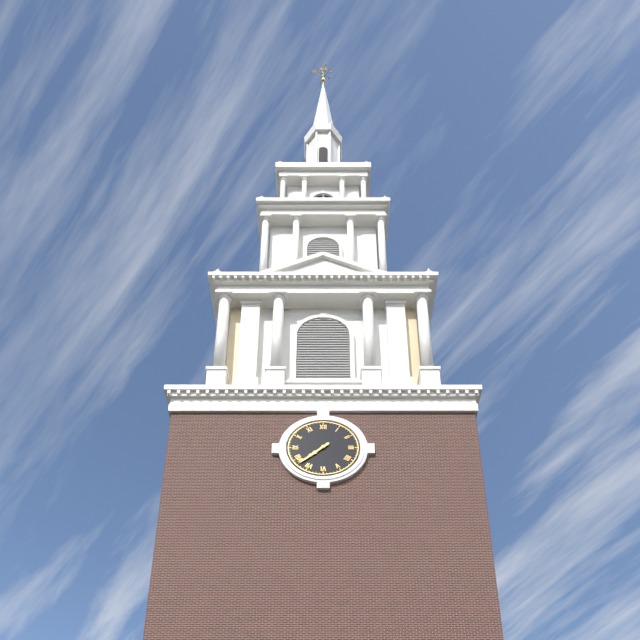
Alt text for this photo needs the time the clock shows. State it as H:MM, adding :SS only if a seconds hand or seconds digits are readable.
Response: 7:38
